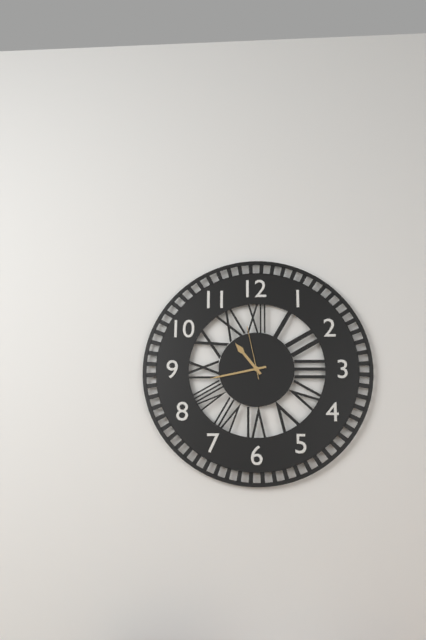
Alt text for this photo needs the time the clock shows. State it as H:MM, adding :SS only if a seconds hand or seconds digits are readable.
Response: 10:43:58
